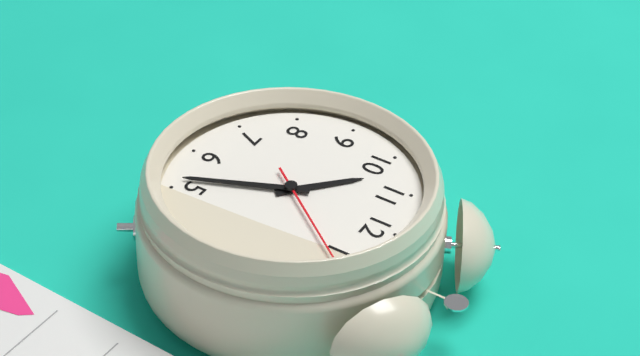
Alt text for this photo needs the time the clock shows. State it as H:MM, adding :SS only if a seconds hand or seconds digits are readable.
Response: 10:26:06
